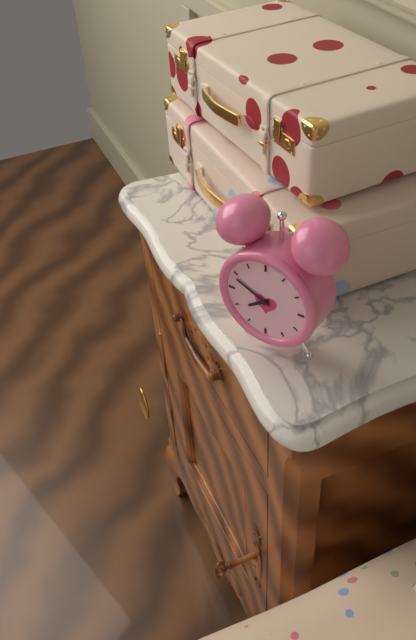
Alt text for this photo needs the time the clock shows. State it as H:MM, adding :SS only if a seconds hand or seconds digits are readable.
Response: 7:49
